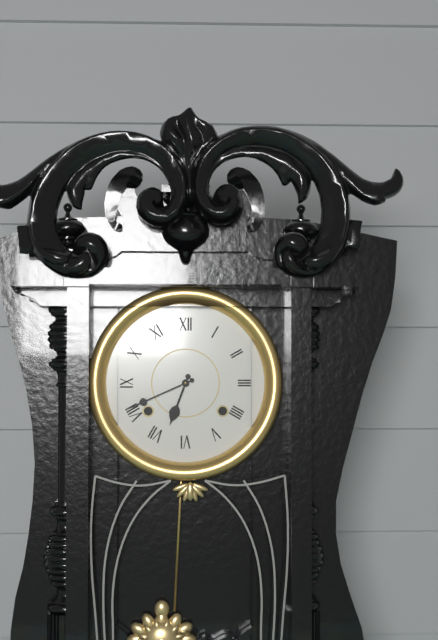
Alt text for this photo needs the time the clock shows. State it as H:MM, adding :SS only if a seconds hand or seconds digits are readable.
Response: 6:41
